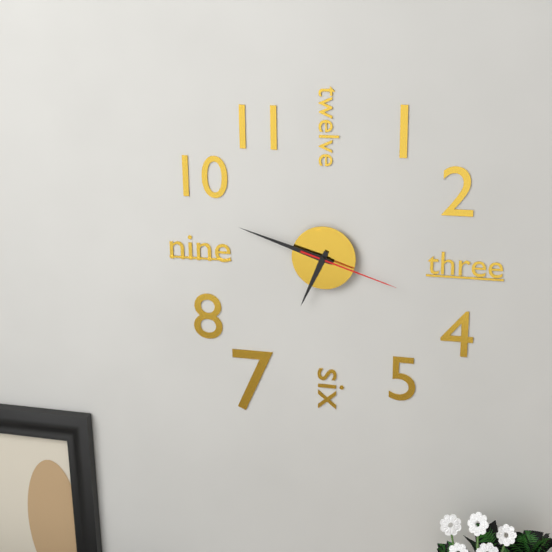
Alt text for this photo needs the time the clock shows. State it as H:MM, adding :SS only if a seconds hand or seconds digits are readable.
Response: 6:48:18
